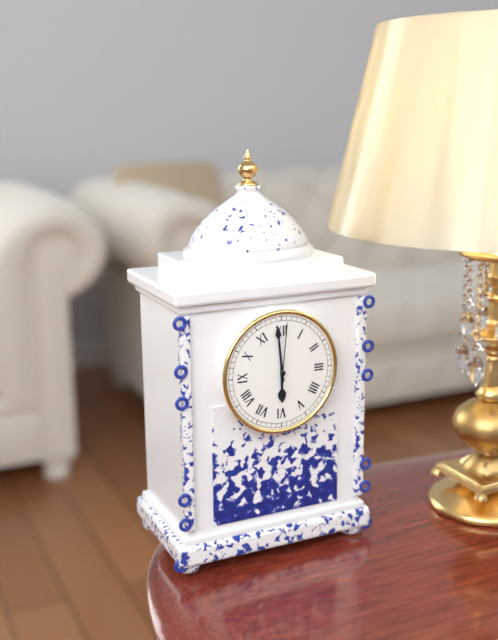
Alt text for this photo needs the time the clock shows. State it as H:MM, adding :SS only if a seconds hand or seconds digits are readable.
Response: 5:59:01
